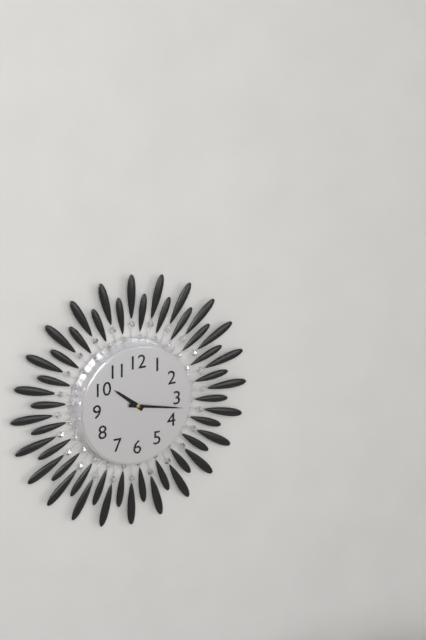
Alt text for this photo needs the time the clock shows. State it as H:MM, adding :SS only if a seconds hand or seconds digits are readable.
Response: 10:17
